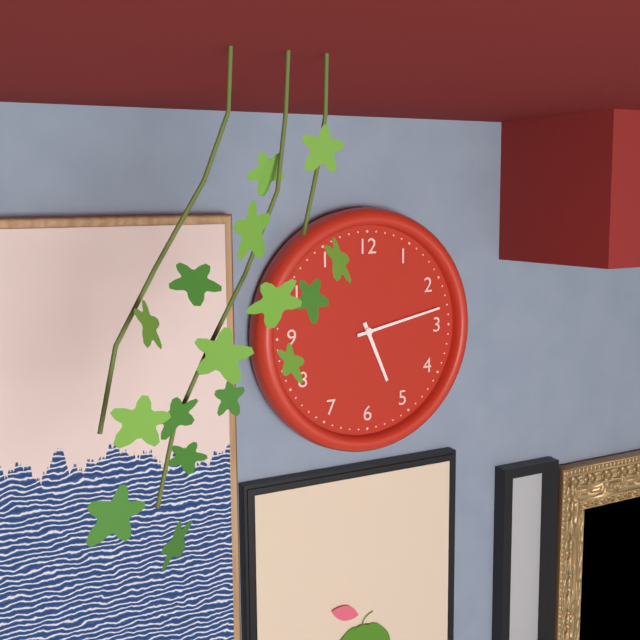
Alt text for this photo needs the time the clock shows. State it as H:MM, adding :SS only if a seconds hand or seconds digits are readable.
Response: 5:13
